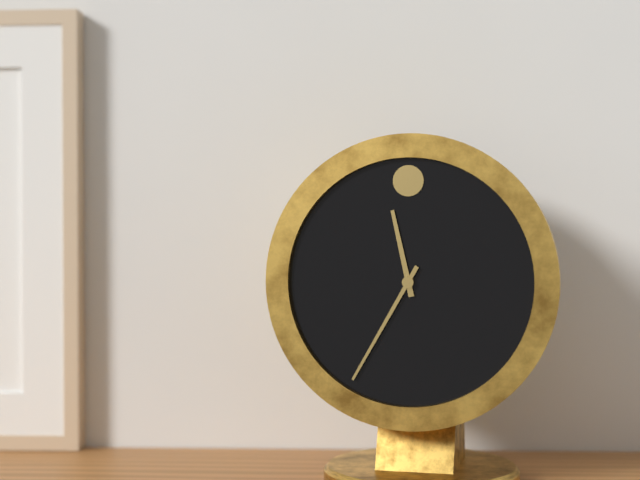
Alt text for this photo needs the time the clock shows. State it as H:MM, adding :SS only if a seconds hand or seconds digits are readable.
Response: 11:35
